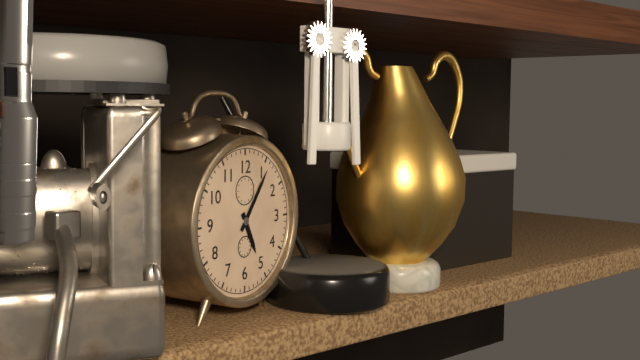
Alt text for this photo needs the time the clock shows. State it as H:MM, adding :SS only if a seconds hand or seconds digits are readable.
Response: 5:06
